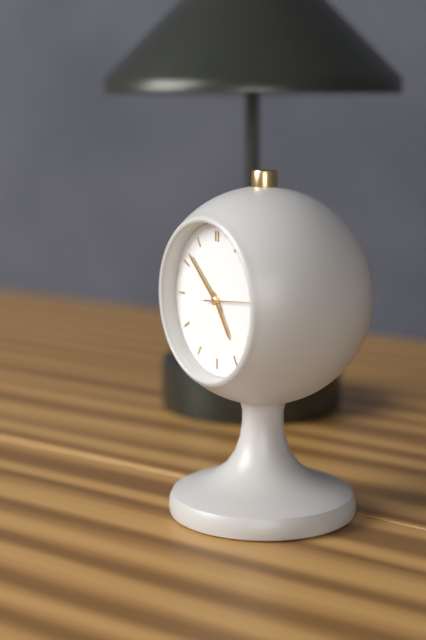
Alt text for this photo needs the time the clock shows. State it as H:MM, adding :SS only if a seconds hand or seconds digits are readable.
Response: 4:52
